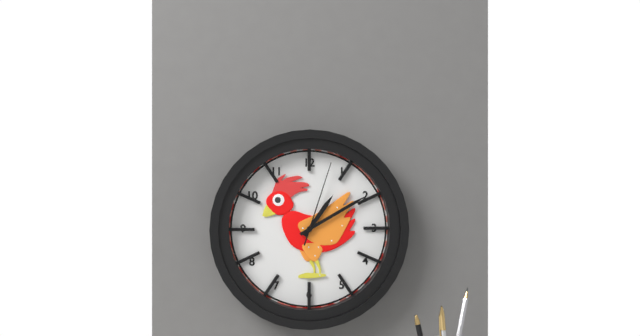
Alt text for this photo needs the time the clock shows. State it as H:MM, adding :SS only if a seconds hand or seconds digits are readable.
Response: 1:10:03
